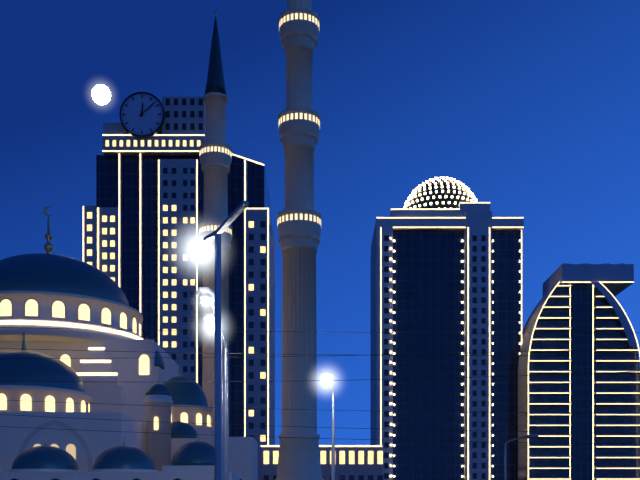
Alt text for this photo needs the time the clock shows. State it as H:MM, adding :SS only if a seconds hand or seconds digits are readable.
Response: 12:08
